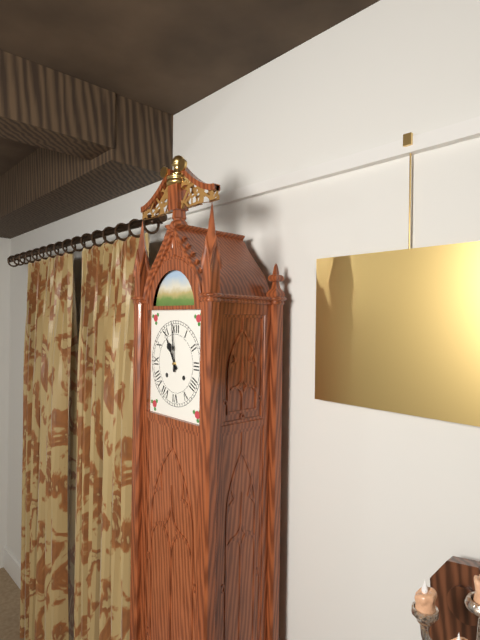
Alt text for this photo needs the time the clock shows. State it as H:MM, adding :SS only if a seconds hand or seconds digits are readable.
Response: 10:59
